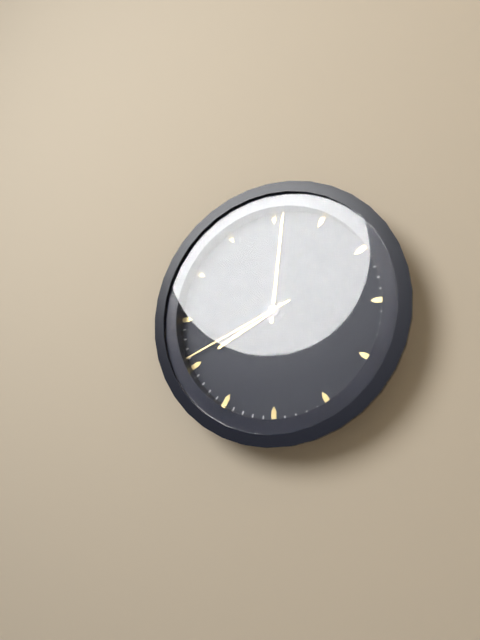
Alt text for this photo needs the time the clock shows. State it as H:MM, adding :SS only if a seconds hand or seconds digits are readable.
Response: 8:01:41
